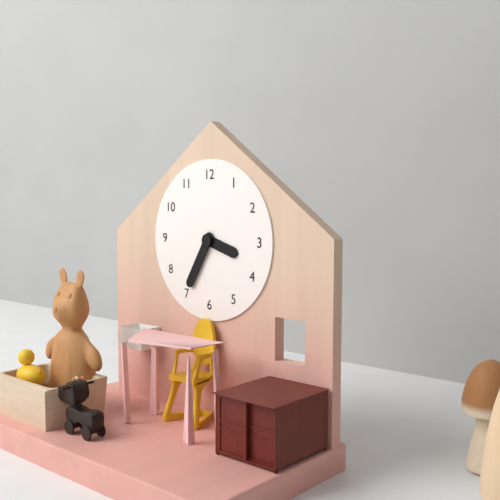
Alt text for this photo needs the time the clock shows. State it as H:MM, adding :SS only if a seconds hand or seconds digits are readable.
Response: 3:35
